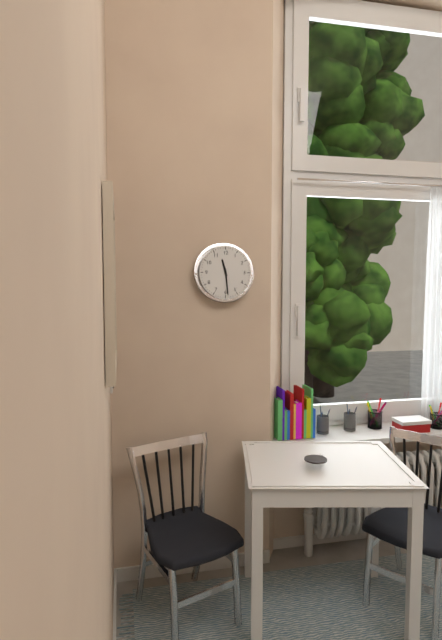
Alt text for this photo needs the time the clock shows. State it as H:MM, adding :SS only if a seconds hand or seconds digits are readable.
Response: 11:29
